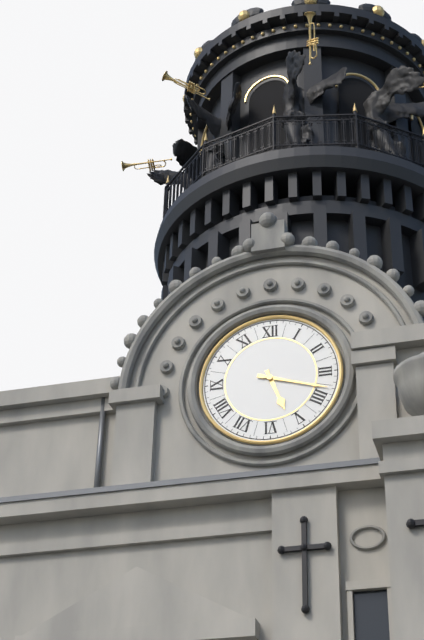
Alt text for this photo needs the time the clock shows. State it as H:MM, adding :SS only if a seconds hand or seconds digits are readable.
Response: 5:18
